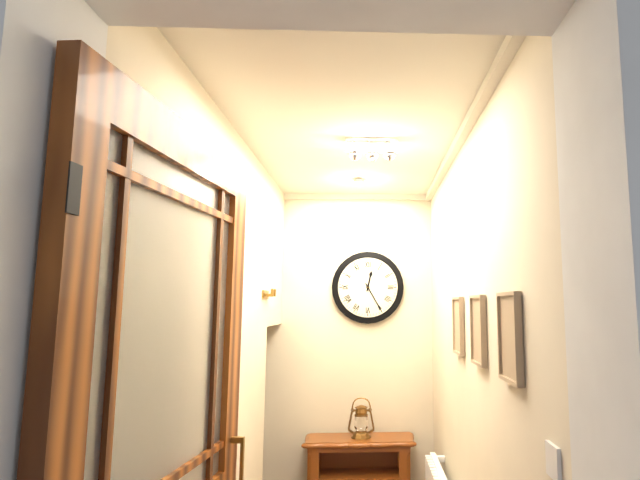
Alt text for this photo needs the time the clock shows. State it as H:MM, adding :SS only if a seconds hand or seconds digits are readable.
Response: 12:25
